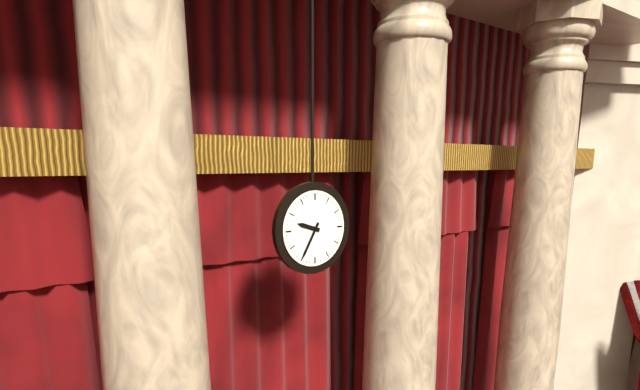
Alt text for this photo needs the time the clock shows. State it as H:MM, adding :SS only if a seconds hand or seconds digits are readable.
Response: 9:35
